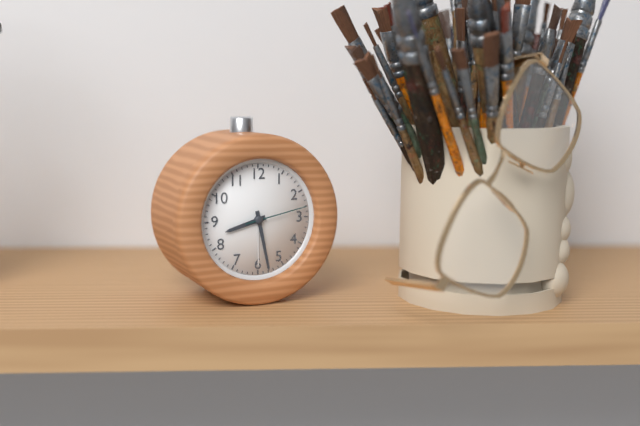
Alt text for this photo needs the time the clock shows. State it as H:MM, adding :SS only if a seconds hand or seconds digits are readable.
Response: 8:28:13
